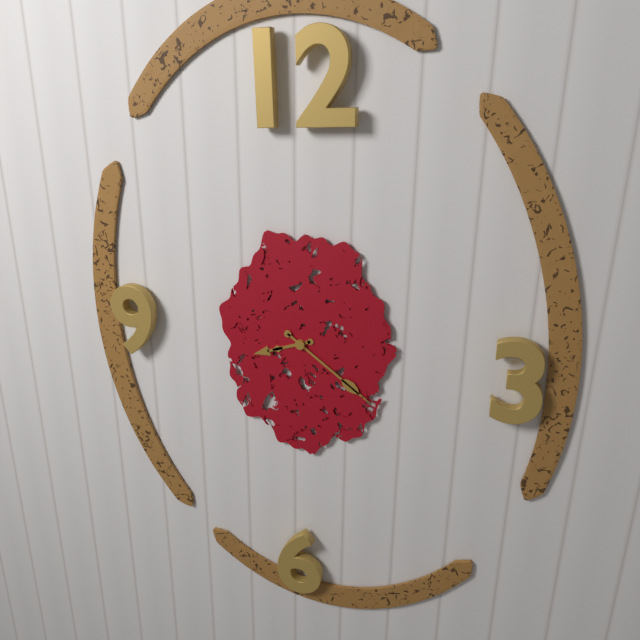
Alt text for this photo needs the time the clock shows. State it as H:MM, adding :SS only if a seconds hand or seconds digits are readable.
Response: 8:21
